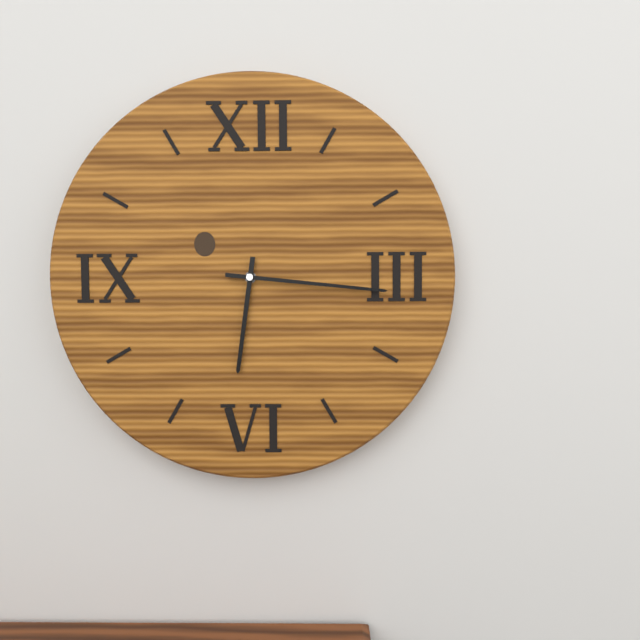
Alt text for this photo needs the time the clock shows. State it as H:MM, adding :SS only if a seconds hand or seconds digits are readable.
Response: 6:16
